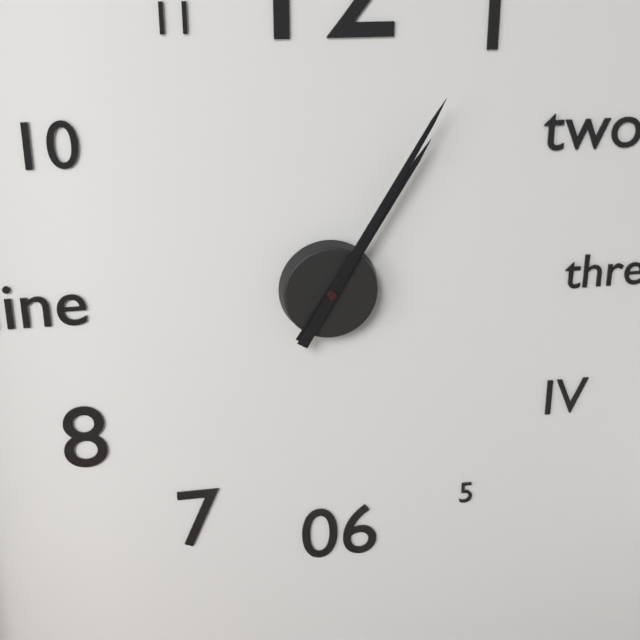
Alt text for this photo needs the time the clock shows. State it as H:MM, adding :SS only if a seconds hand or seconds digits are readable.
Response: 1:05
